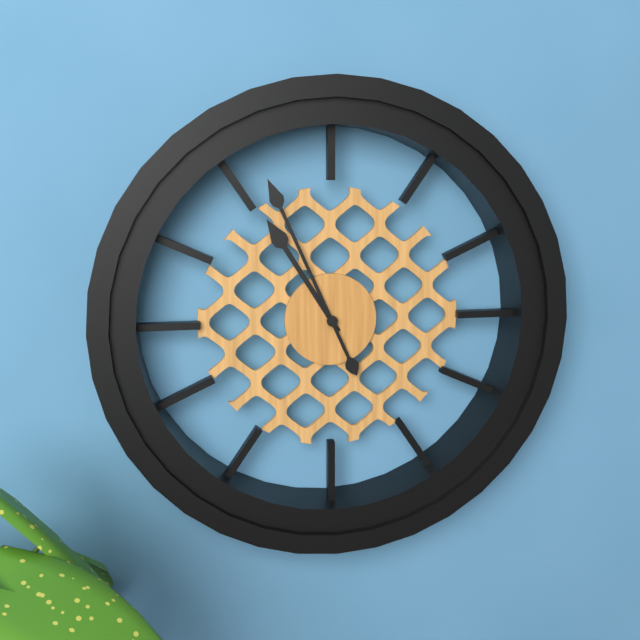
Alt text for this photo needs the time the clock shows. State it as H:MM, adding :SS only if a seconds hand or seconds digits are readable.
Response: 10:56
